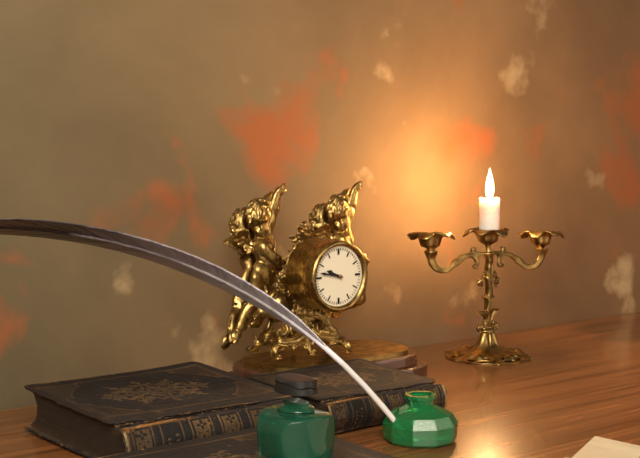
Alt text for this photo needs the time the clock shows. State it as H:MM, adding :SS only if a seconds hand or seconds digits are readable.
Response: 9:47
